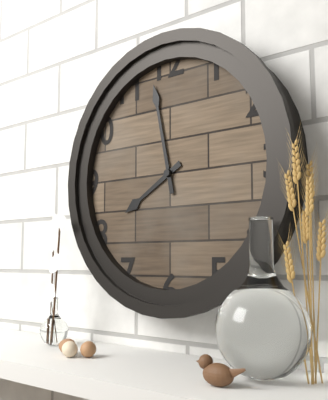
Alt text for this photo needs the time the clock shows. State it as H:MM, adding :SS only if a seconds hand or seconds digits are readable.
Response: 7:58
